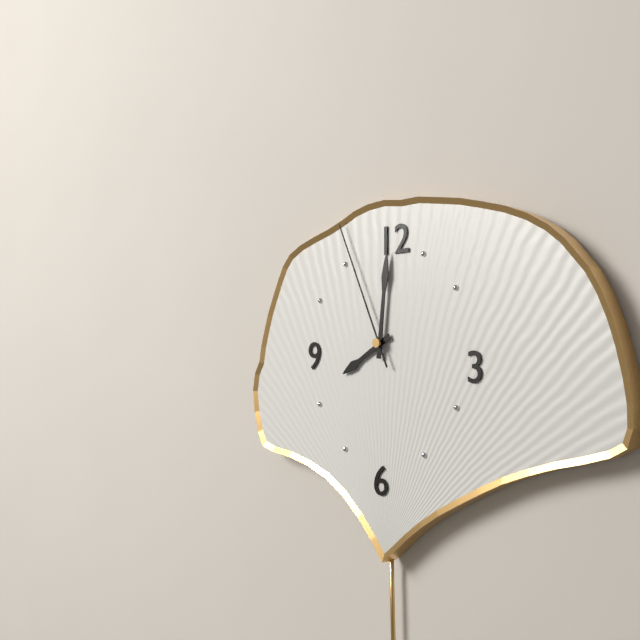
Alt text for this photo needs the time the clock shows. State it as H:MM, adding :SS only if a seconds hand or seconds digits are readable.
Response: 8:01:56
